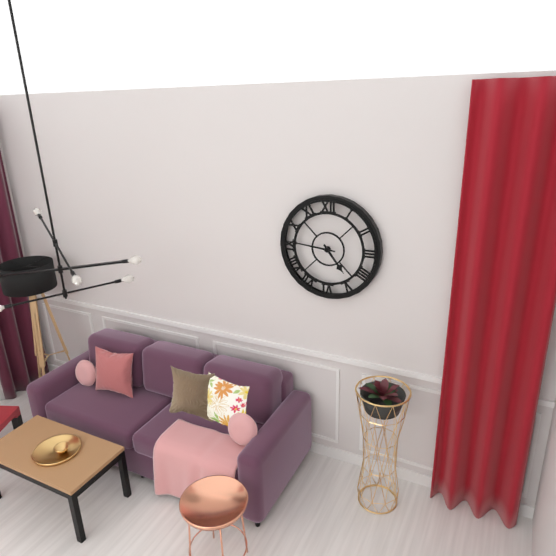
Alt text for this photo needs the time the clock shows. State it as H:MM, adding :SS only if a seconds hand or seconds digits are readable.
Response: 4:46
